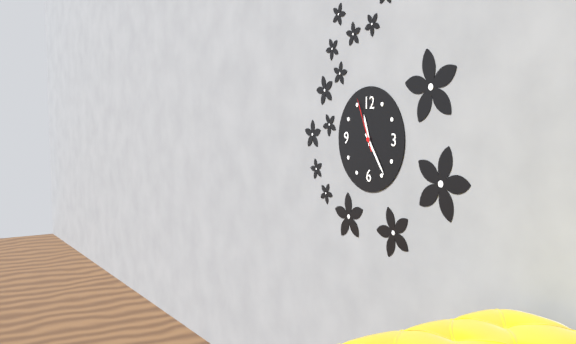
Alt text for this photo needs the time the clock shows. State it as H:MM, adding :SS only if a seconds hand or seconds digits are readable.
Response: 11:24:56
